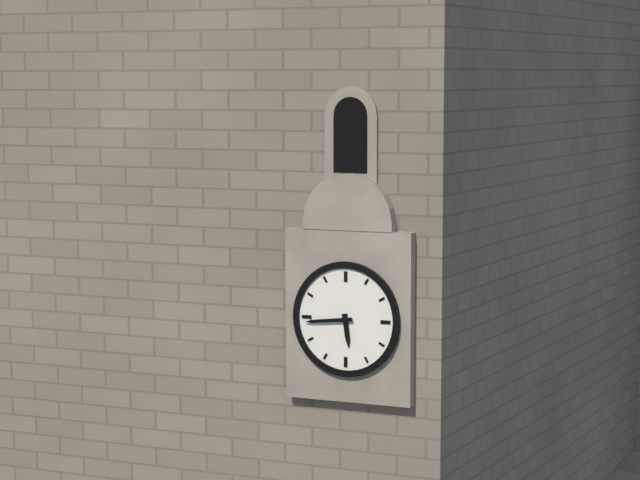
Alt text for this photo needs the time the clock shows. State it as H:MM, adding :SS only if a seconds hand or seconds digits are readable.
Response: 5:44
